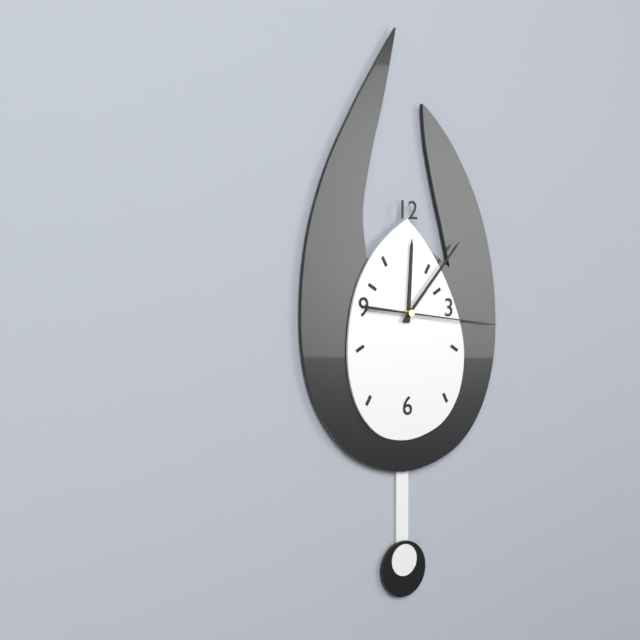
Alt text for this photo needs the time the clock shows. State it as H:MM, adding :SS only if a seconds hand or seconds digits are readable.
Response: 12:07:16
